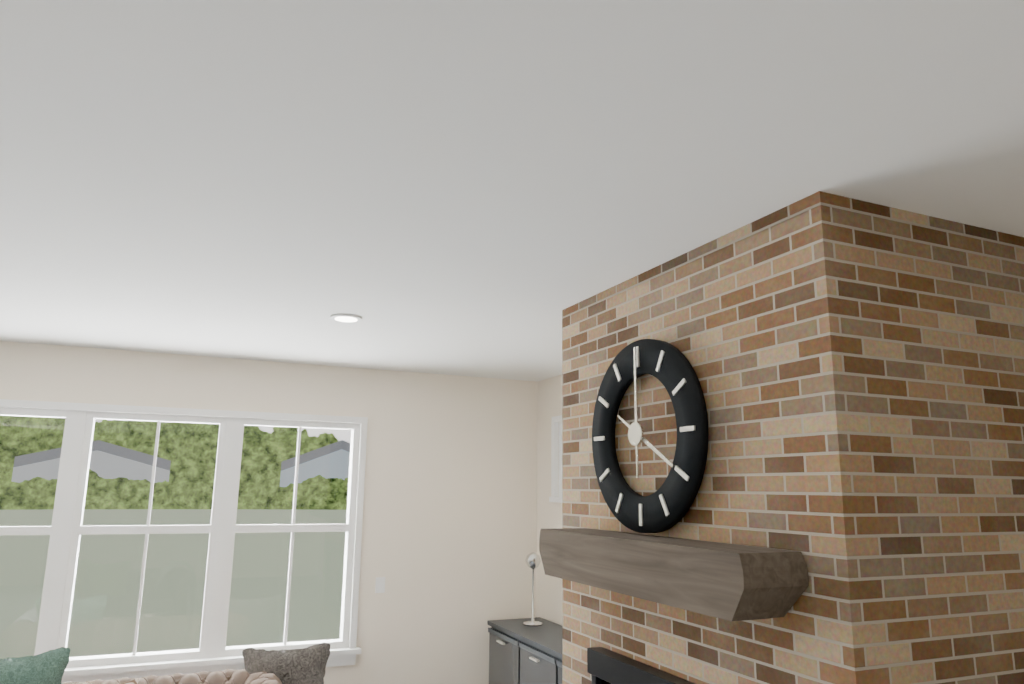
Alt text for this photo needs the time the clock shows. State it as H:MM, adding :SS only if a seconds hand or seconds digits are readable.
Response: 4:00
